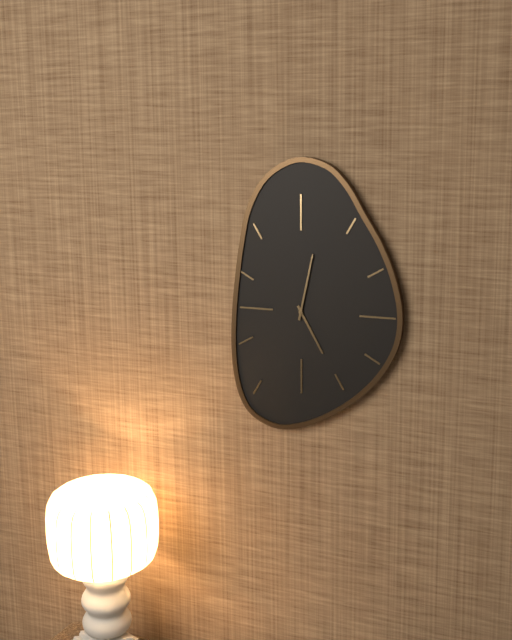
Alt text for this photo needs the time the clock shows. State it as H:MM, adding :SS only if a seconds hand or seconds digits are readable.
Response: 5:02
